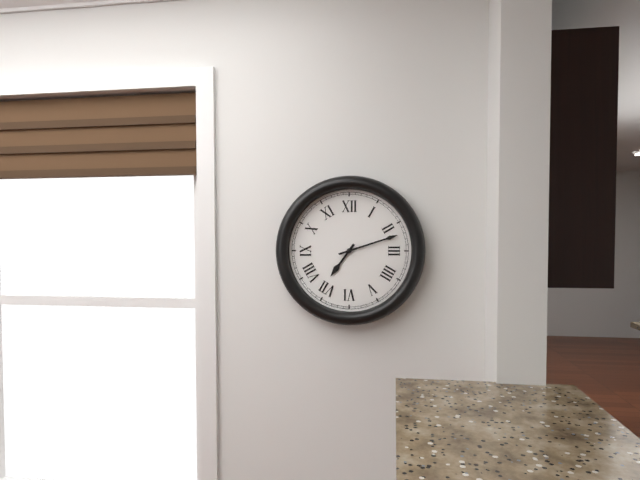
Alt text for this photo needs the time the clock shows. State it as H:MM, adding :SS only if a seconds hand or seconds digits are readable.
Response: 7:12
